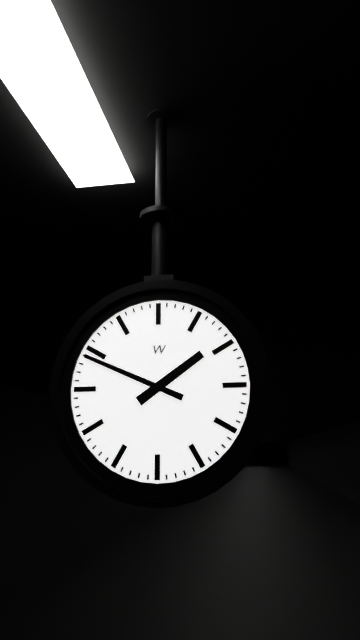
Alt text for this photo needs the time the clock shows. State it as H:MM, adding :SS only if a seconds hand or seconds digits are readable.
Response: 1:49
